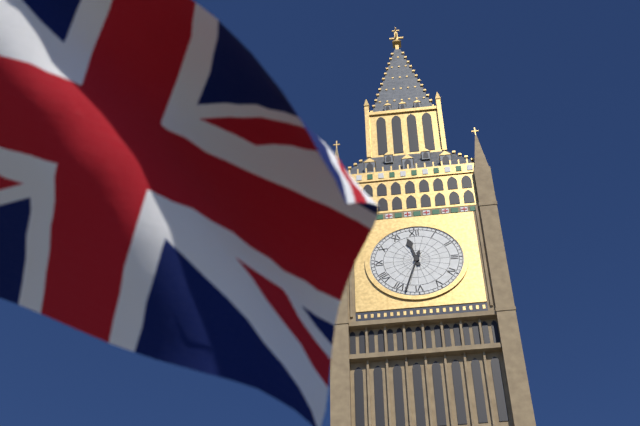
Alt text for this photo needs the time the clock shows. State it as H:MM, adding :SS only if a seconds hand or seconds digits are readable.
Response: 11:33
